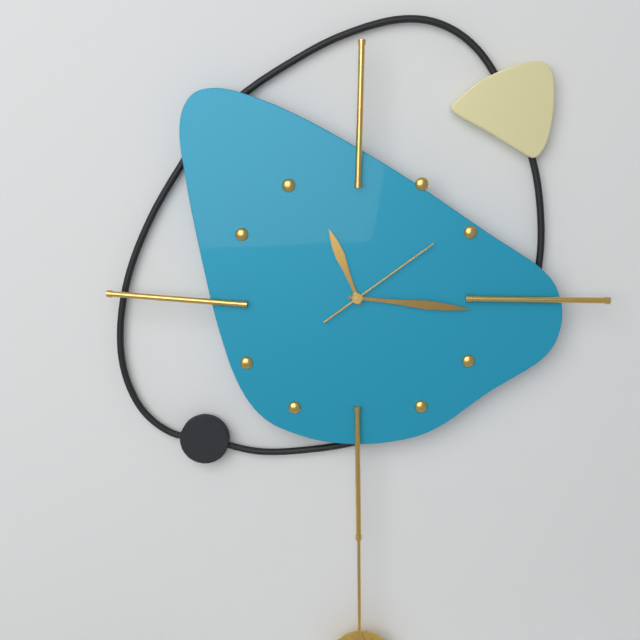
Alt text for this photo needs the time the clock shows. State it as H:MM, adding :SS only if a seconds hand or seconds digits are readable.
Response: 11:16:09
